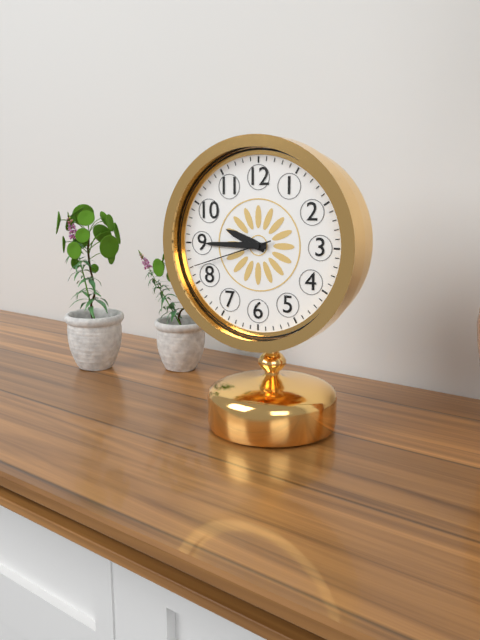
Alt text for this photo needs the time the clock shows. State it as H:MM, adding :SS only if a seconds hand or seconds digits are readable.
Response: 9:45:42
